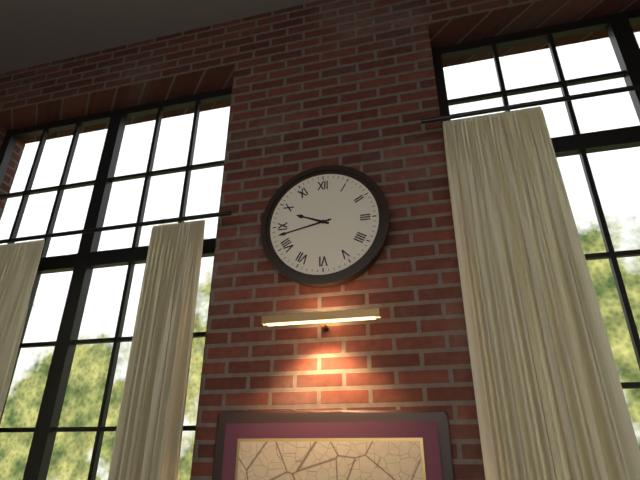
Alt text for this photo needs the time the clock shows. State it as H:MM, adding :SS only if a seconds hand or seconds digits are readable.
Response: 9:43
